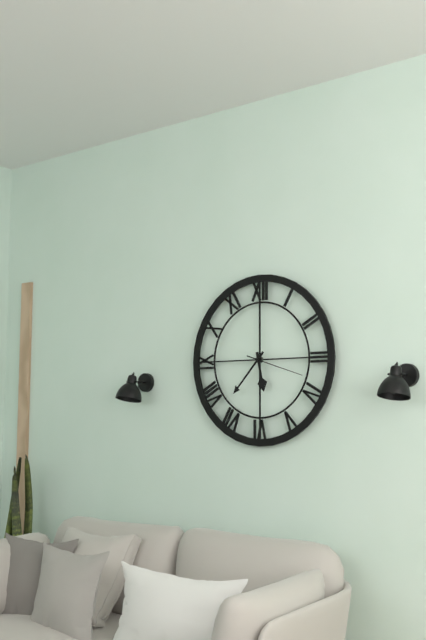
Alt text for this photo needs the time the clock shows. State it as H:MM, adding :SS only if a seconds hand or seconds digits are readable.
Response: 5:37:18
